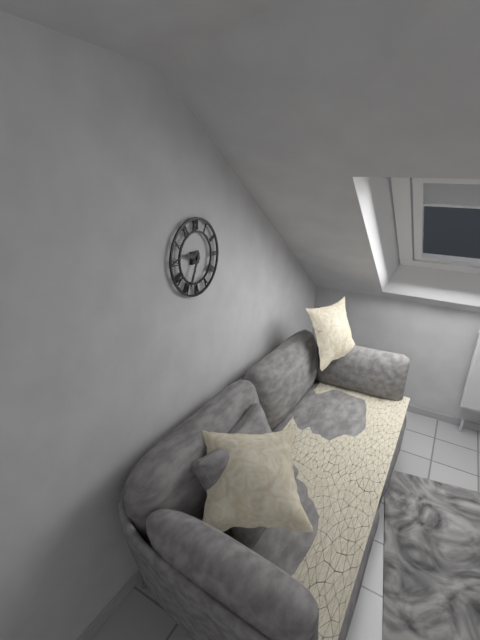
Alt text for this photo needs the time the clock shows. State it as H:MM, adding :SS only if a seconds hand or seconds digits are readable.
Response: 9:34
